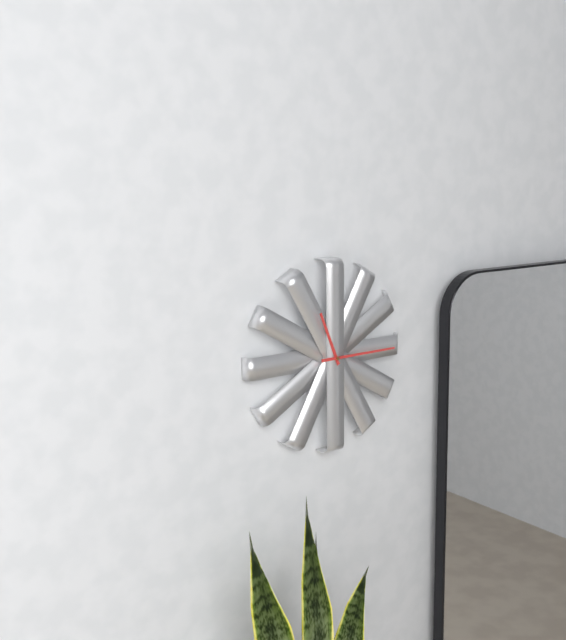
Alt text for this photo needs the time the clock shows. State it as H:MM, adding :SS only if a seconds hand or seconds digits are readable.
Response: 11:15
